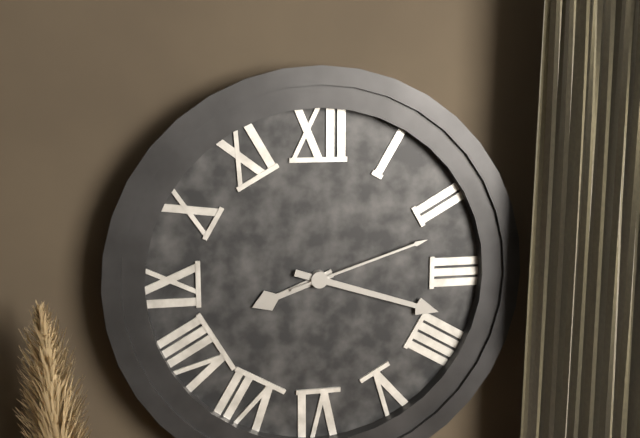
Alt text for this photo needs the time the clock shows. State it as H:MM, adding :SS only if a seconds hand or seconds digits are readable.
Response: 8:18:12
